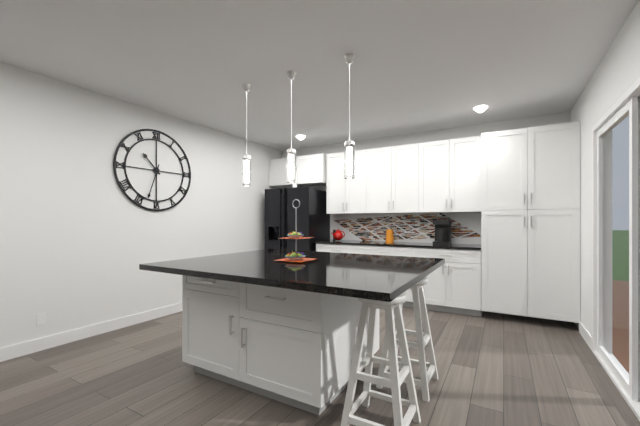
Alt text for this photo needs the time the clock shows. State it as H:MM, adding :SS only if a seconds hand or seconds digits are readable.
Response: 10:33
